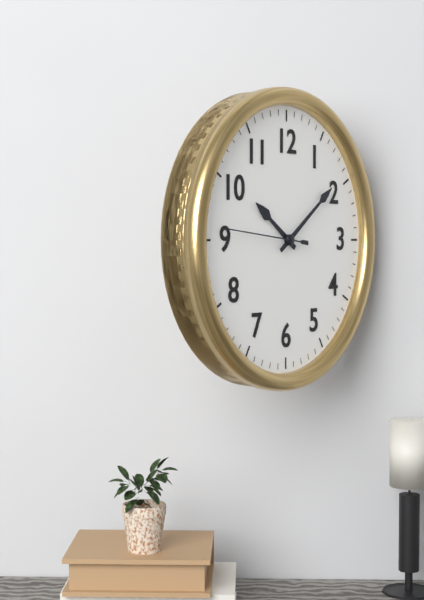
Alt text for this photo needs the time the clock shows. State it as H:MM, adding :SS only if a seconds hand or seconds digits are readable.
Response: 10:09:46
